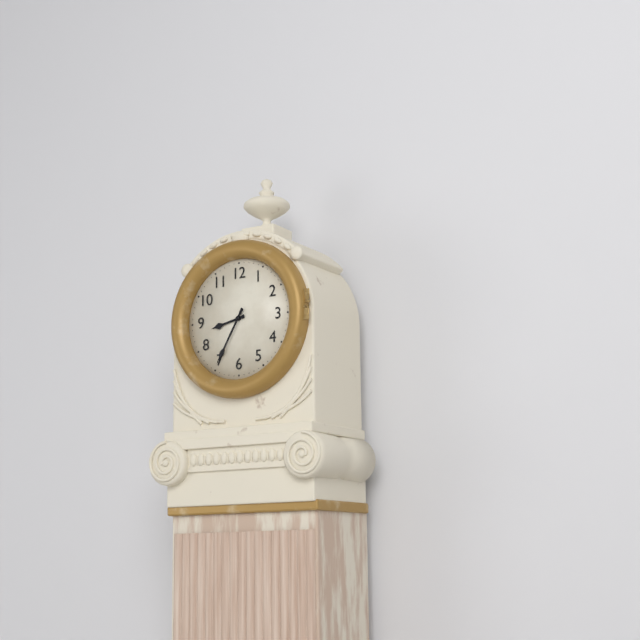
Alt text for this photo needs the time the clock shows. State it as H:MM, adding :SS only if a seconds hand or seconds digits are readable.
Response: 8:35
